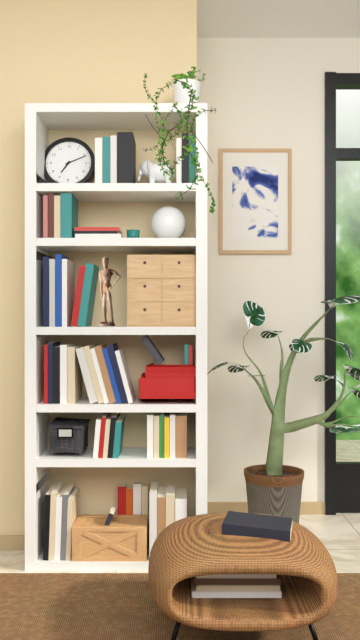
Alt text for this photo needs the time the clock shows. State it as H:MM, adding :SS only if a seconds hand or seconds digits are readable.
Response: 7:11
